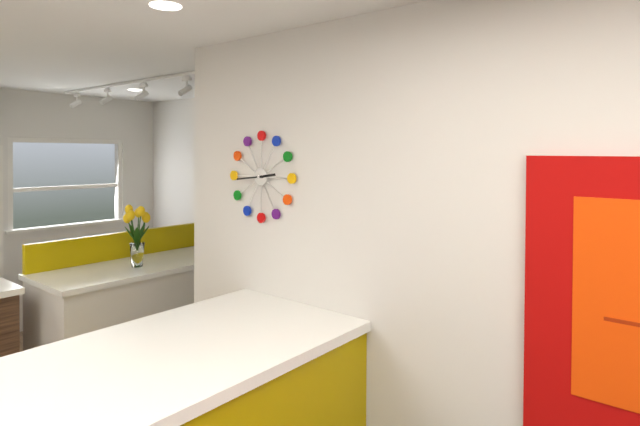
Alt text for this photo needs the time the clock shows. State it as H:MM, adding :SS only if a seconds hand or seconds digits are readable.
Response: 2:44
